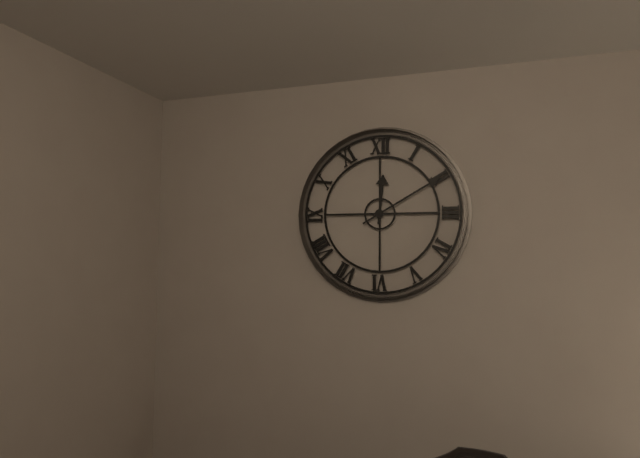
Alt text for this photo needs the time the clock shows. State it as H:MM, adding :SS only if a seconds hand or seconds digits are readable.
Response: 12:10
